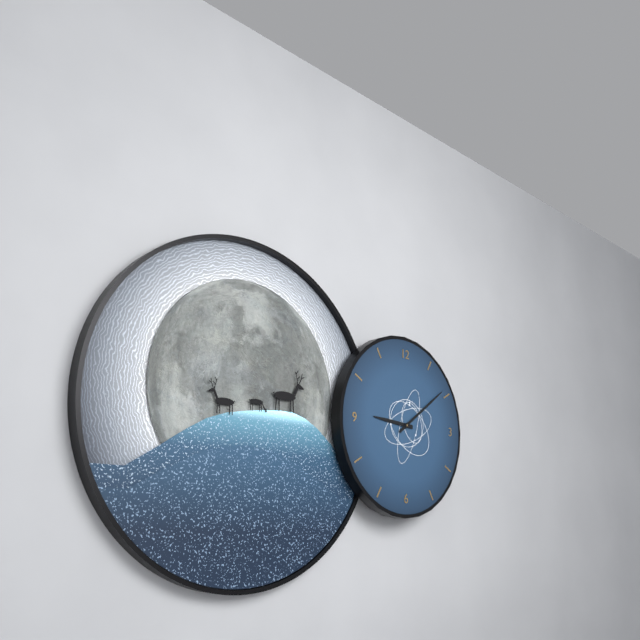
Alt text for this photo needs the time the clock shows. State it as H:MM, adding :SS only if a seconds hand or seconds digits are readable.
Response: 9:09
